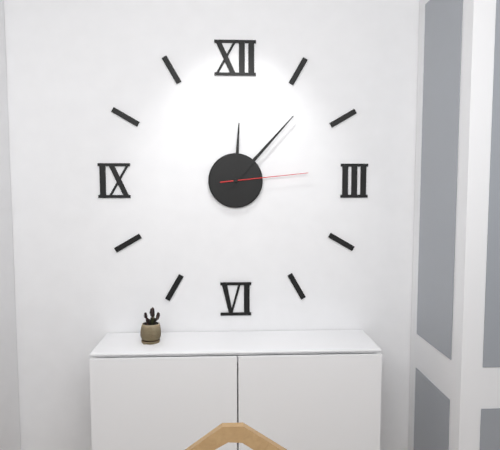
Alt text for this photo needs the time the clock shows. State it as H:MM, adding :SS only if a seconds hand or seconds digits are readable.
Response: 12:07:14
